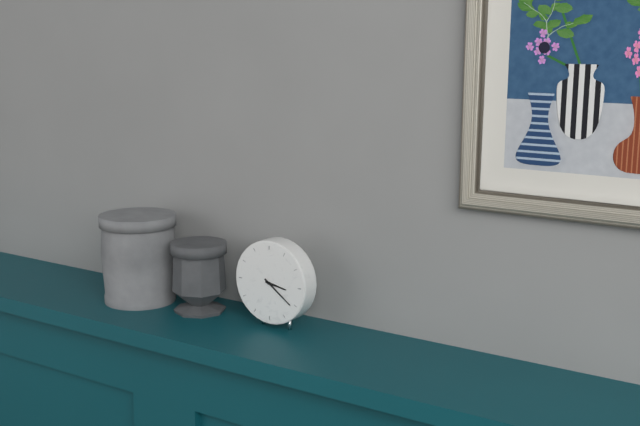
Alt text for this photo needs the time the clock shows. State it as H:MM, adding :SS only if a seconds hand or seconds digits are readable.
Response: 3:21
